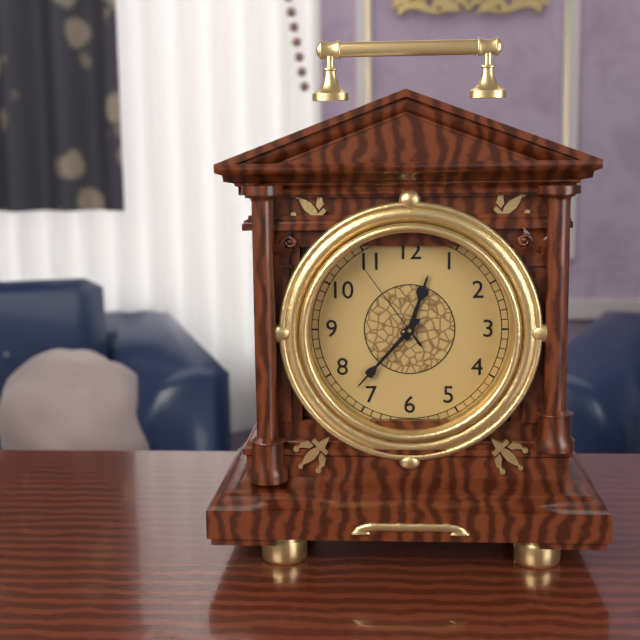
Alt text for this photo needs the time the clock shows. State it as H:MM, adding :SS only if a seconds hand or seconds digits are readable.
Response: 12:37:54
